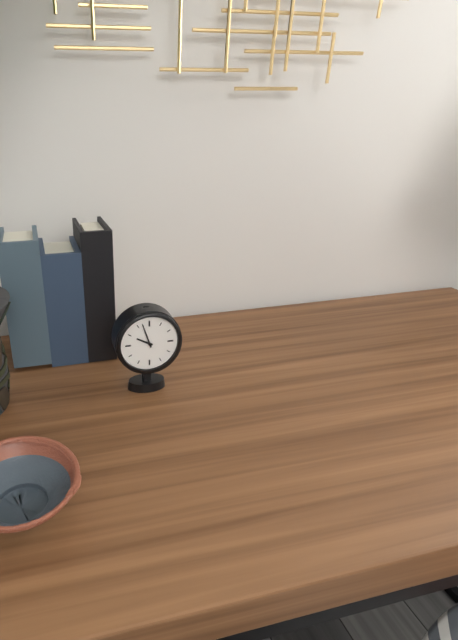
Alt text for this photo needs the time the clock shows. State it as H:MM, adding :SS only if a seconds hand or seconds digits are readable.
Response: 9:57
